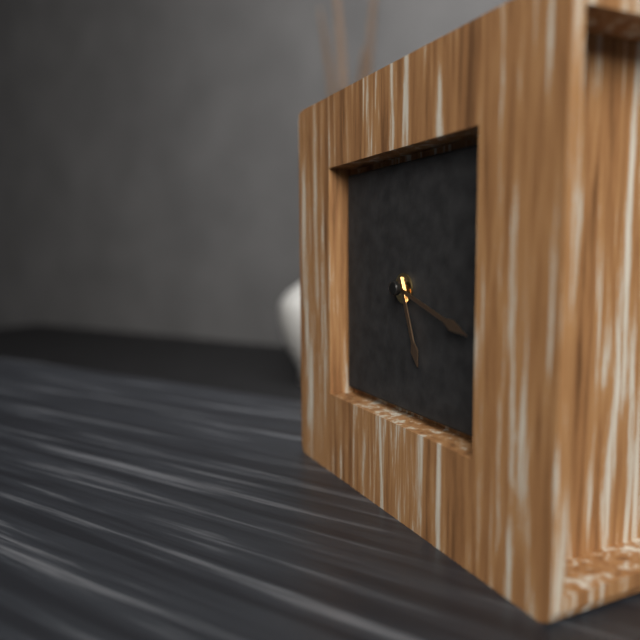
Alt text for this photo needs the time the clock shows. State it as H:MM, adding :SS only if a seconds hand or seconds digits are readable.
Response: 5:18
